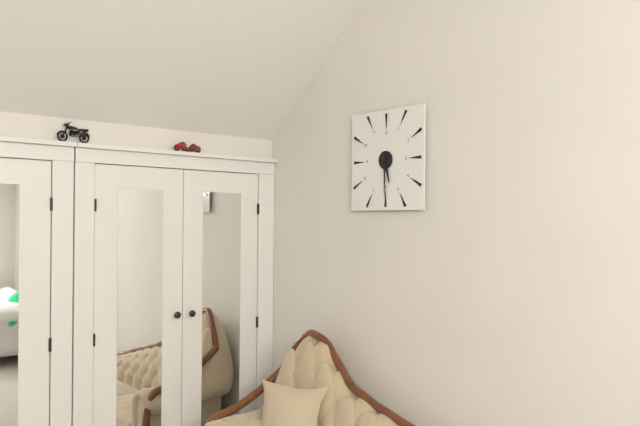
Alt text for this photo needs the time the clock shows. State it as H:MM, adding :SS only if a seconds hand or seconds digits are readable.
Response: 5:30
